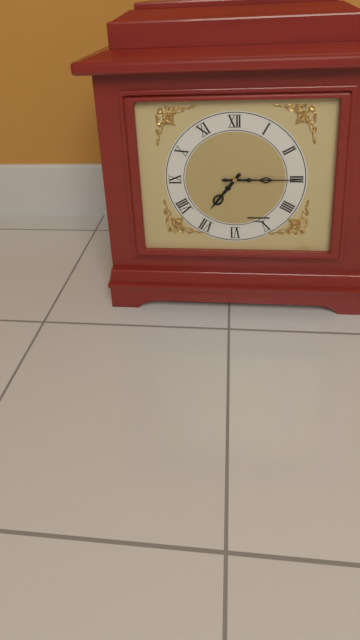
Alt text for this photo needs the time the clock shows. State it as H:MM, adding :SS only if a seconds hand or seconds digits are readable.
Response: 7:15
